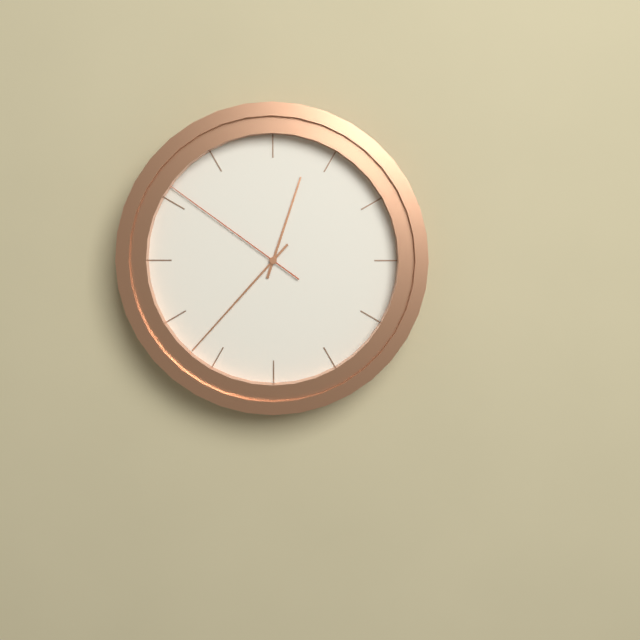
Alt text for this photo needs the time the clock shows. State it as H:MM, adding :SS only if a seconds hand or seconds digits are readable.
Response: 12:37:51
